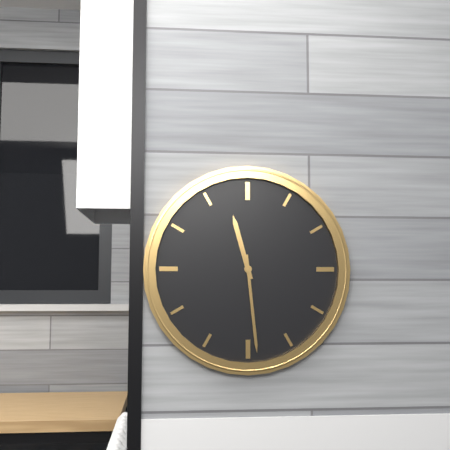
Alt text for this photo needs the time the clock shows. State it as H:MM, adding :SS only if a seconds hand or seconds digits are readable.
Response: 11:29
